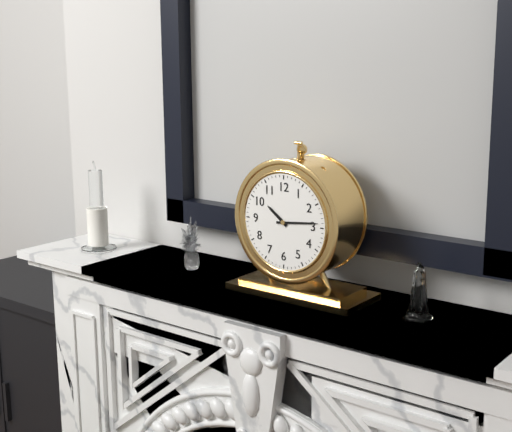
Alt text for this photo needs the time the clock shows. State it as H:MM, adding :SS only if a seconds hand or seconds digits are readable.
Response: 10:14
